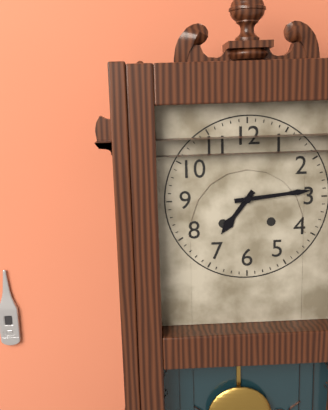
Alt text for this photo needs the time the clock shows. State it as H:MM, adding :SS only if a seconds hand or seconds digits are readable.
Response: 7:14
